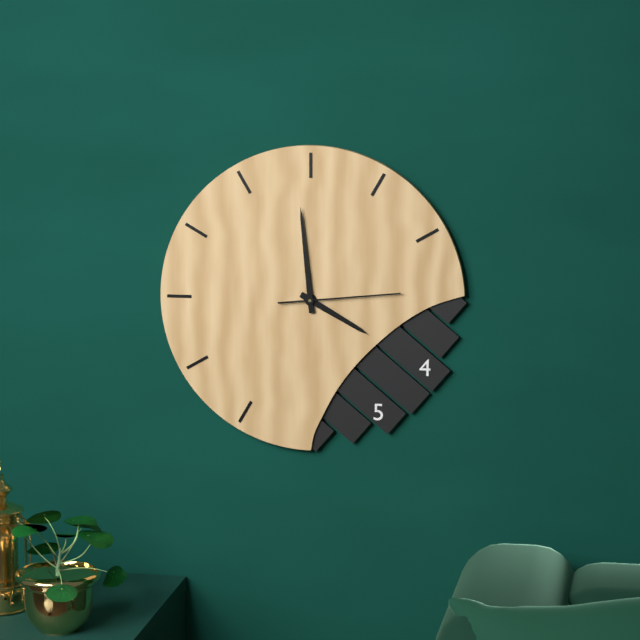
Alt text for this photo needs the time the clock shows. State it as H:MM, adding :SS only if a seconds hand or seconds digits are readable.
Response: 3:59:14
